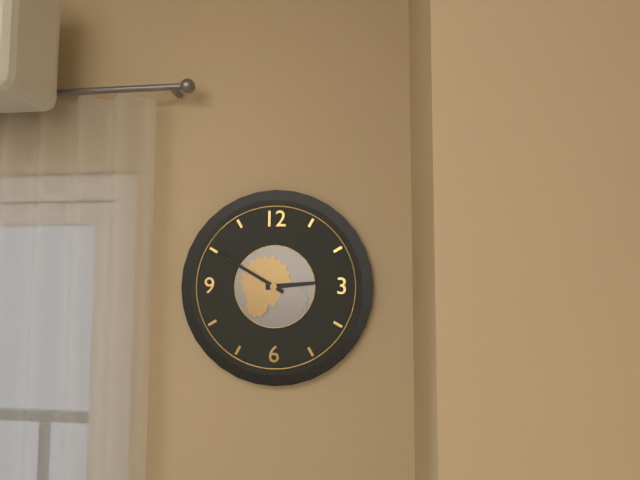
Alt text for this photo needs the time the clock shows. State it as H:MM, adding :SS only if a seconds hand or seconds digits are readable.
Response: 2:50
